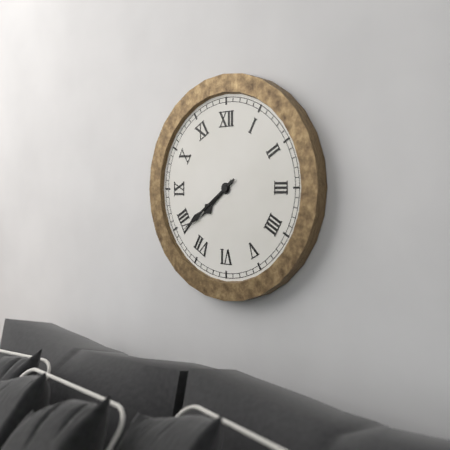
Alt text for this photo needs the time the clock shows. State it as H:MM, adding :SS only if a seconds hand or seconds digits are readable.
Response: 7:39
